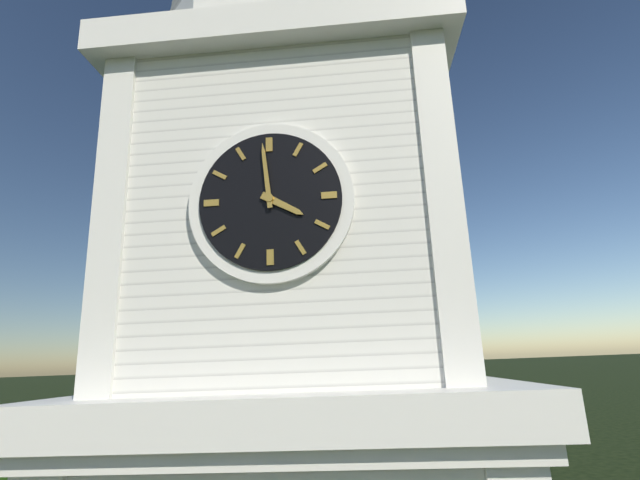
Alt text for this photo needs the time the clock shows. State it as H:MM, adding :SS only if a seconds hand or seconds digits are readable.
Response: 3:59
